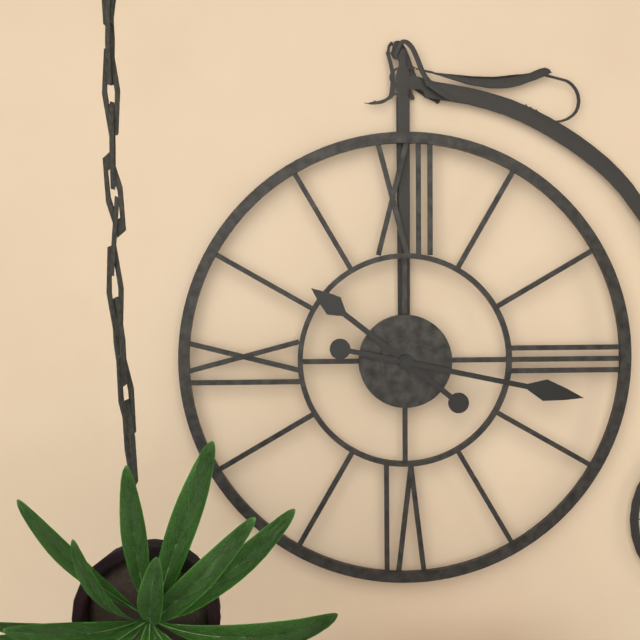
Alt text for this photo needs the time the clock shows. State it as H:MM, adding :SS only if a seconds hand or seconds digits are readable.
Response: 10:17
